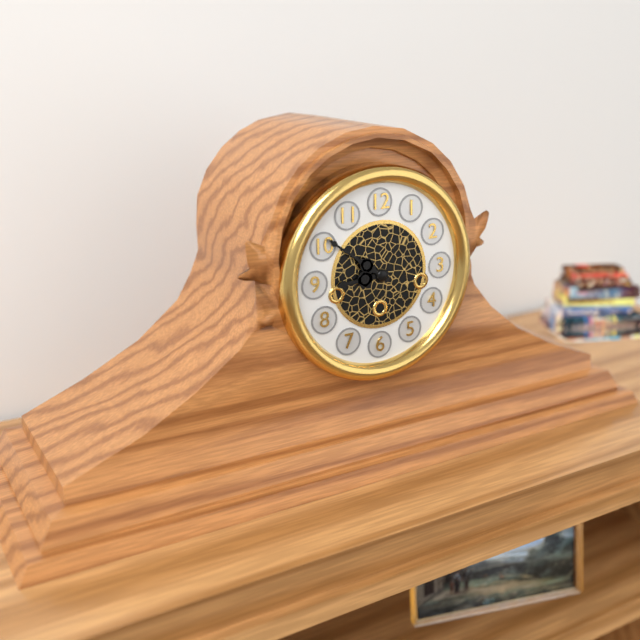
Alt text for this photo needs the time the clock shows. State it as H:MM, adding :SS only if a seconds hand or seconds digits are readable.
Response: 8:51
